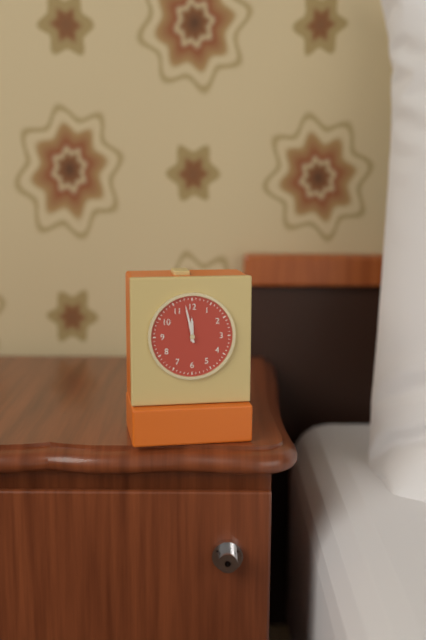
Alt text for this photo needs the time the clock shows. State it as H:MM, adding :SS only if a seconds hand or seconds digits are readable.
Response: 11:58
